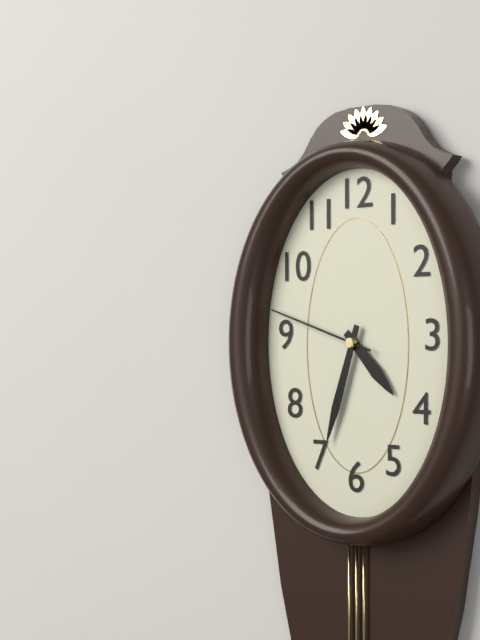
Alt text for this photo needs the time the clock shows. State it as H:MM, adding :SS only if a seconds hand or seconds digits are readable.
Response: 4:33:48
